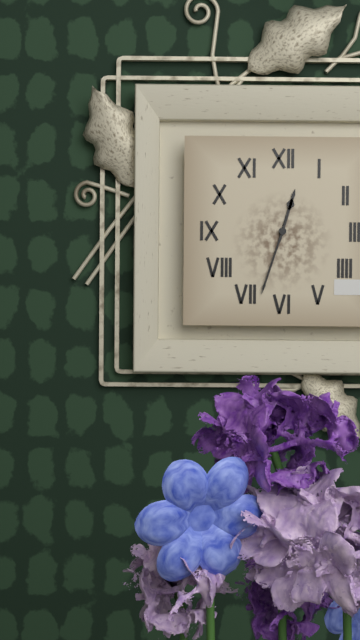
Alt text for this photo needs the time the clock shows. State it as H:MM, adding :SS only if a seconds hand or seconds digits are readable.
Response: 12:33
